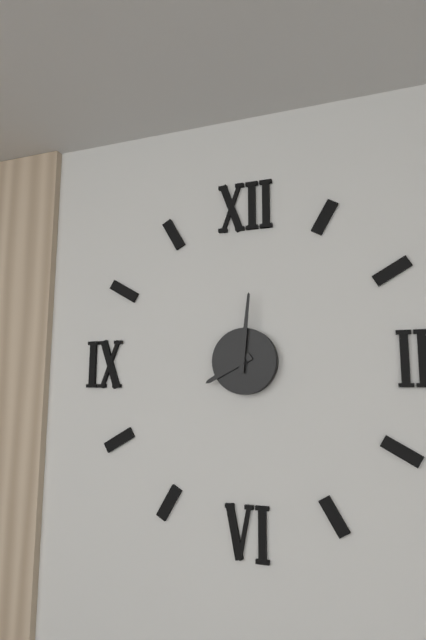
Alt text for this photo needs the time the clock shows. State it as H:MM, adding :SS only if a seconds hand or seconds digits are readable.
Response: 8:01
